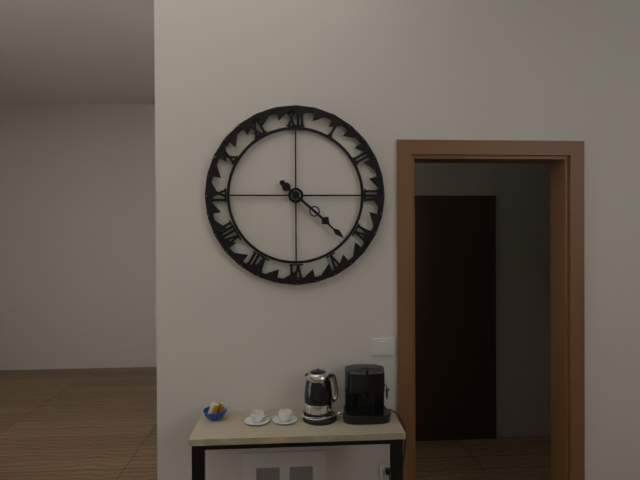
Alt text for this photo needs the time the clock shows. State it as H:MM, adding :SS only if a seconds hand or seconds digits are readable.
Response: 4:22
